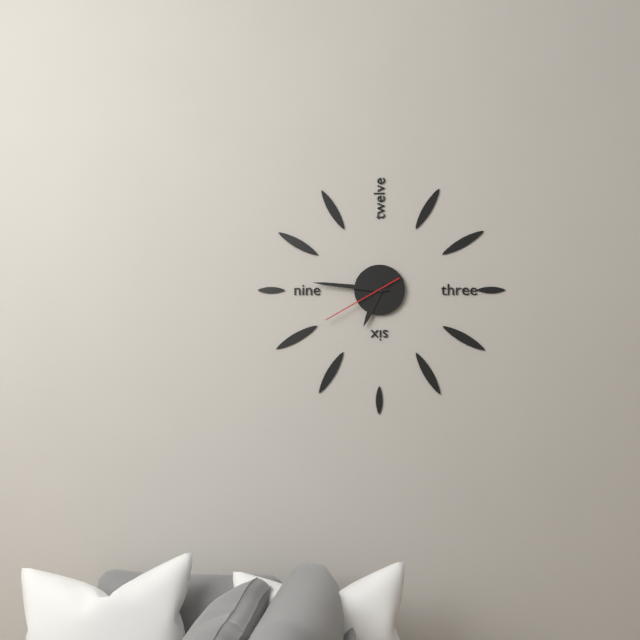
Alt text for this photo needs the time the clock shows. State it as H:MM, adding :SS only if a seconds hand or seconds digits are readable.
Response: 6:46:40
